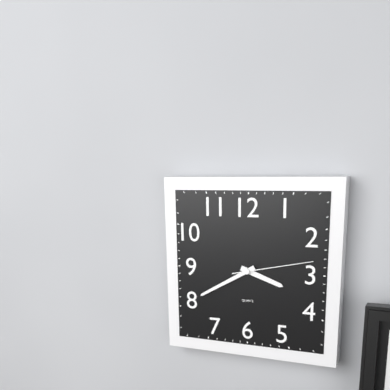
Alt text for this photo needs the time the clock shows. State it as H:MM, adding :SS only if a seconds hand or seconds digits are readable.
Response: 3:40:13
